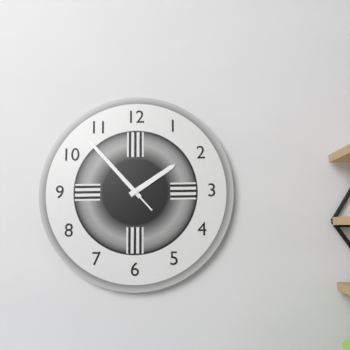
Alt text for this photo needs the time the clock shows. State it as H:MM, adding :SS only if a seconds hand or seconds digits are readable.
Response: 1:53:53
